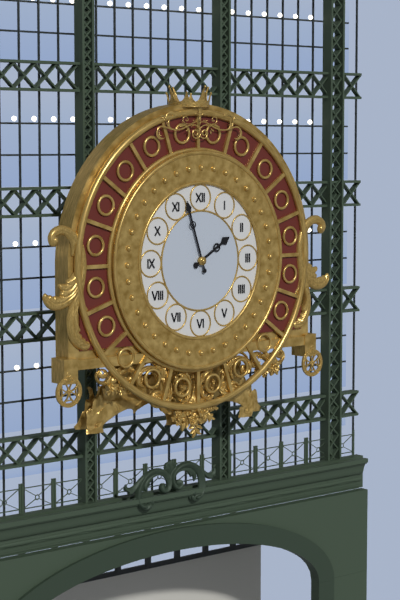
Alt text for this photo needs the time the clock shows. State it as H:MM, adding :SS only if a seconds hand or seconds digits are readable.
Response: 1:57
